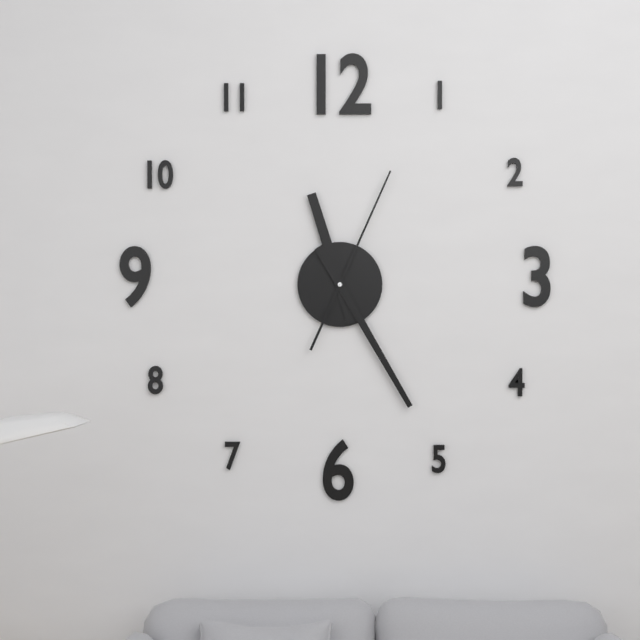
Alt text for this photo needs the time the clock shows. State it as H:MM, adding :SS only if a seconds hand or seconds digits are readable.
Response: 11:25:04
